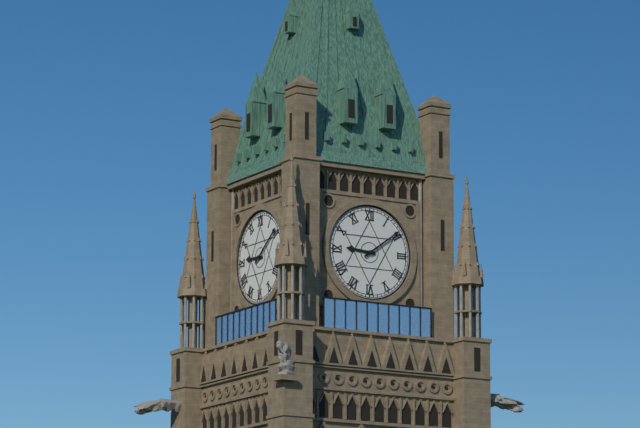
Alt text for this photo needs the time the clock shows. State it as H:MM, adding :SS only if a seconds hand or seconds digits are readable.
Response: 9:09
